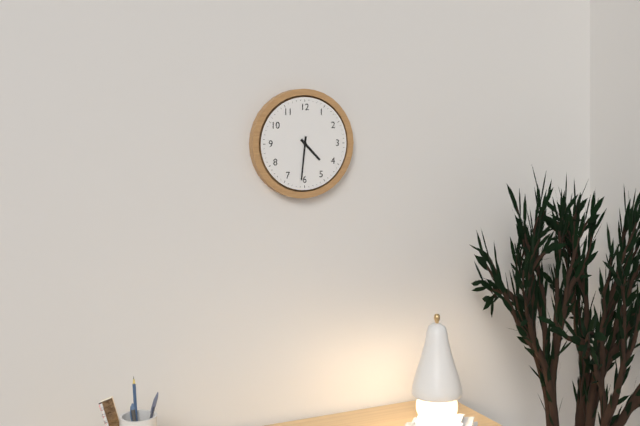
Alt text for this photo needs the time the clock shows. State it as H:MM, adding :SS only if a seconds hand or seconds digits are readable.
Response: 4:31
